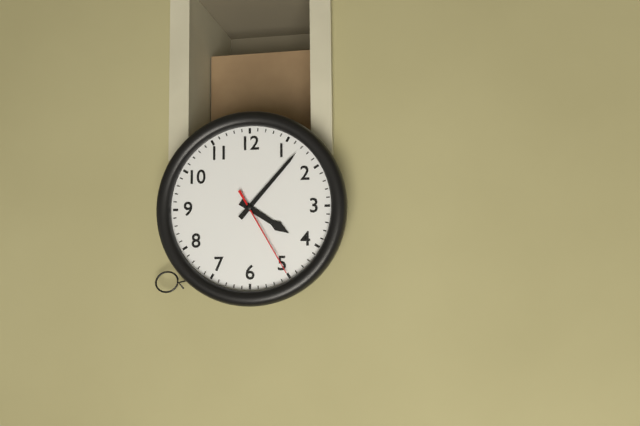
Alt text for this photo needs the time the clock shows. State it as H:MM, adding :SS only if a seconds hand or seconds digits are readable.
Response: 4:07:25
